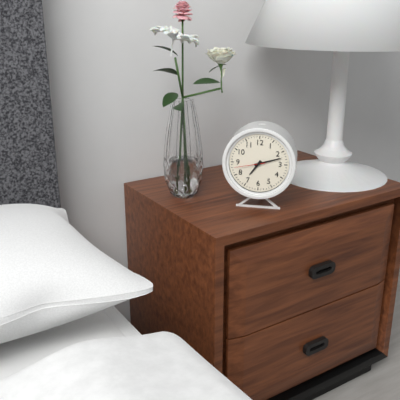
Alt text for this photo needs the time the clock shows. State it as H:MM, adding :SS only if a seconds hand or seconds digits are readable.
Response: 7:12
